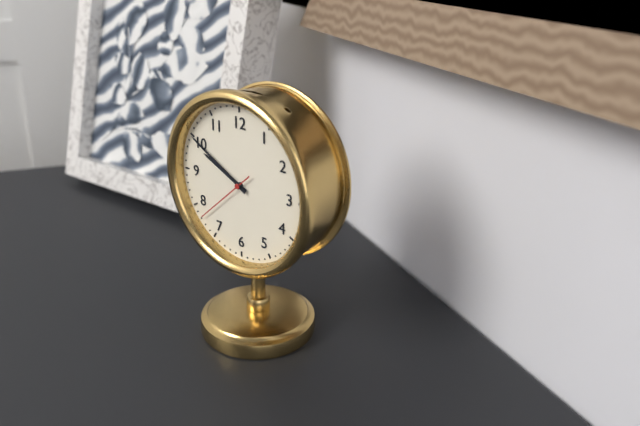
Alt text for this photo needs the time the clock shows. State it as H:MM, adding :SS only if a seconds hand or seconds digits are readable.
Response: 9:50:38
